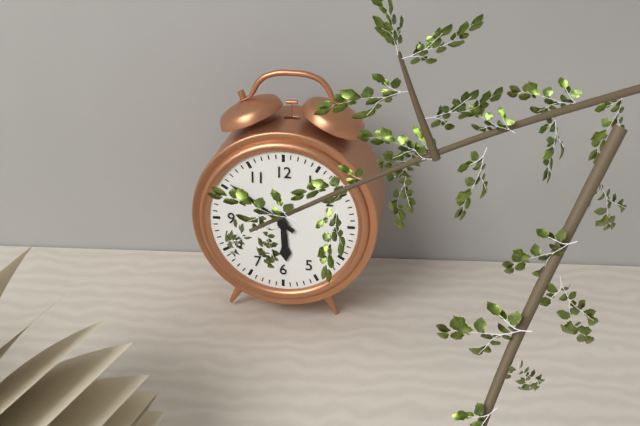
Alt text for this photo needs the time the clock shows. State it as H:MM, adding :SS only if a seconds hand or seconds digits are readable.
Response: 5:51
